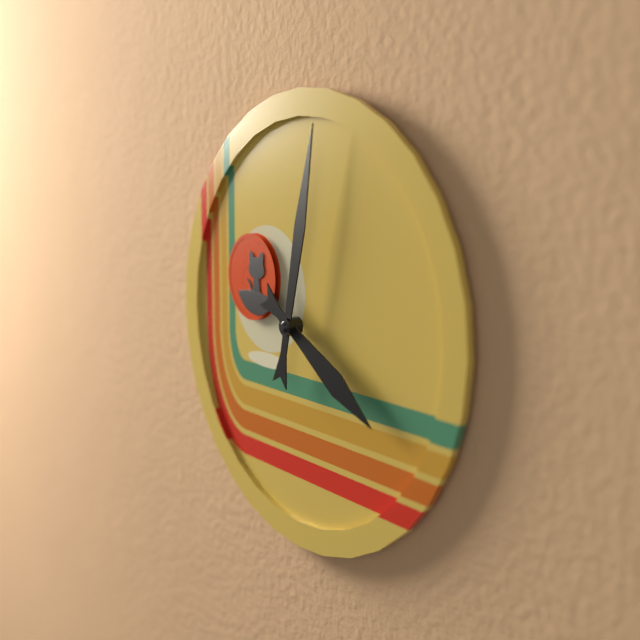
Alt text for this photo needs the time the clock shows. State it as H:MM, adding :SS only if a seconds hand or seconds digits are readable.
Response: 4:02
